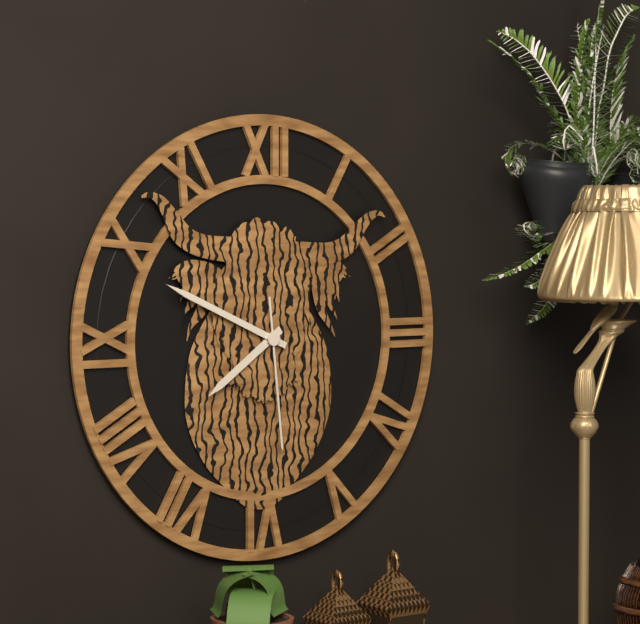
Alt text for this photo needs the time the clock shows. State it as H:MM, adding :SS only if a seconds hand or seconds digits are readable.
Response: 7:49:29
